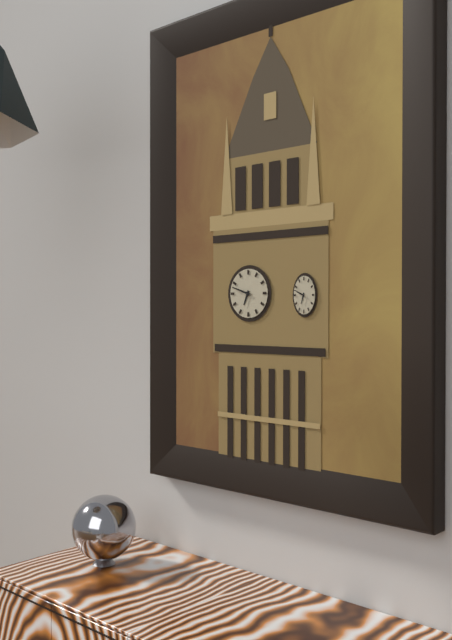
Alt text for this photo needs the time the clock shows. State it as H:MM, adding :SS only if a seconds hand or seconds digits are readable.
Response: 6:48
